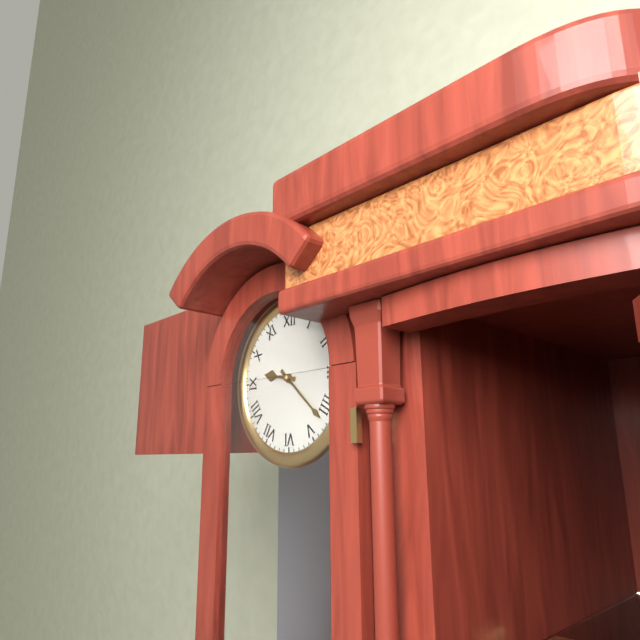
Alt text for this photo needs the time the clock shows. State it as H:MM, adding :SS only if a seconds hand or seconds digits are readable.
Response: 9:22
